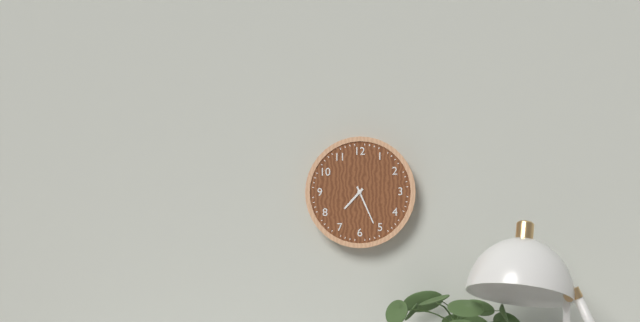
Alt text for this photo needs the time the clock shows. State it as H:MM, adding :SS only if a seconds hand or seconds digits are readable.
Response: 7:26
